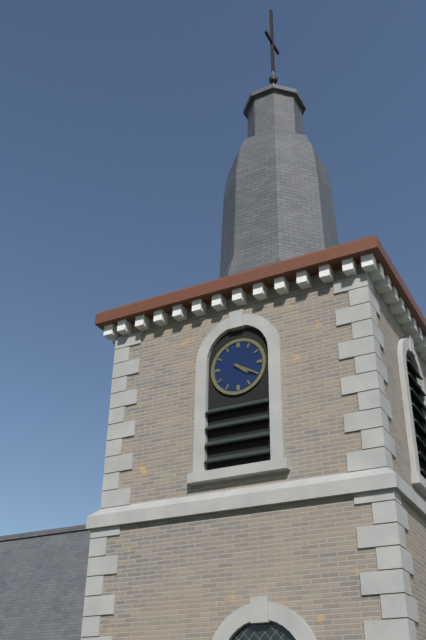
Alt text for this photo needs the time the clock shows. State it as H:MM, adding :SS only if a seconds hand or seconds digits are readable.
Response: 4:20
